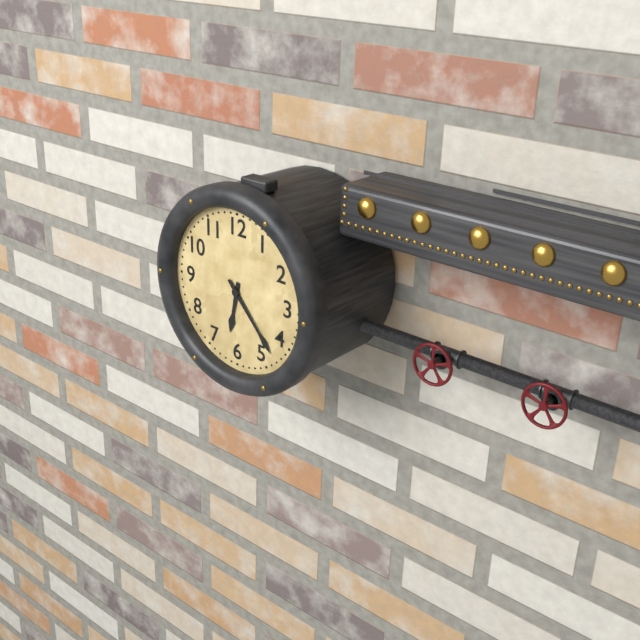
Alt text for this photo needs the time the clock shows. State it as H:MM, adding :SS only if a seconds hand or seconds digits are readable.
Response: 6:23
